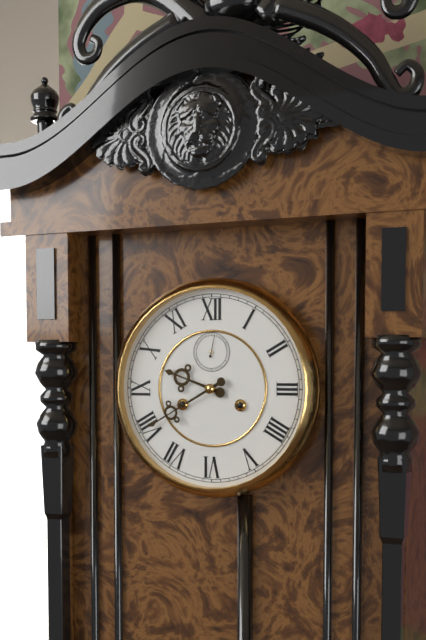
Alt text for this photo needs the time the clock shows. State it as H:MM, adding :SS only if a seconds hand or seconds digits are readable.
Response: 9:40
